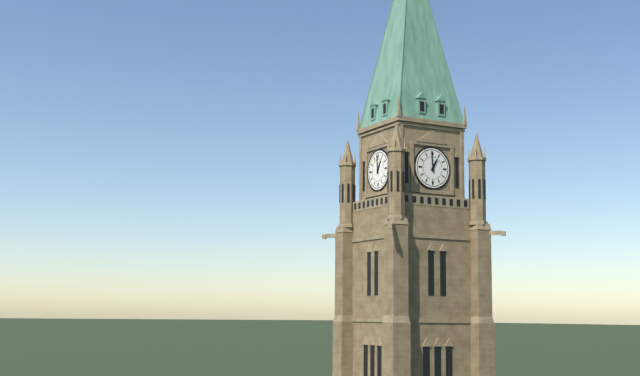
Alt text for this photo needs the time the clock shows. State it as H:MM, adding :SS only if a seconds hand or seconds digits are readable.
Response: 12:59
